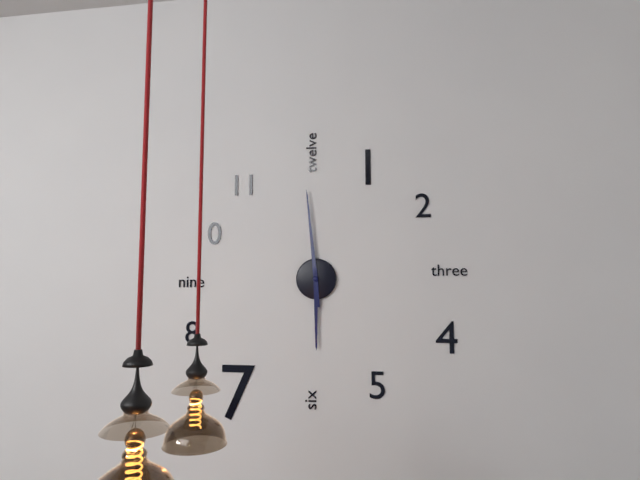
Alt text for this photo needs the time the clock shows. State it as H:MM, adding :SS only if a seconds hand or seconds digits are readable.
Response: 5:59
